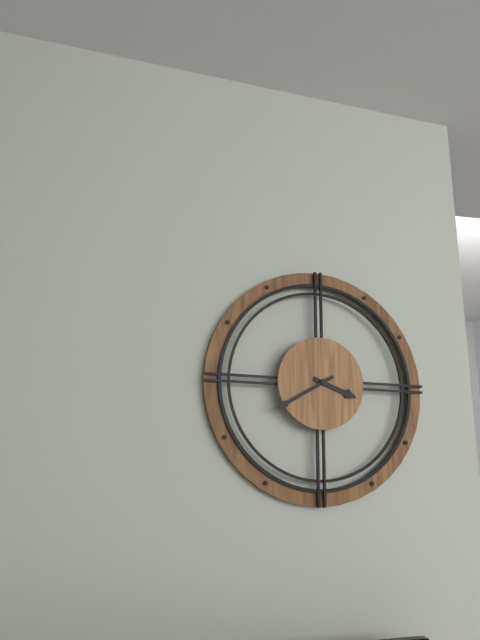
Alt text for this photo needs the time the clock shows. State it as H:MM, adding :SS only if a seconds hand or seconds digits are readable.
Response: 3:40
